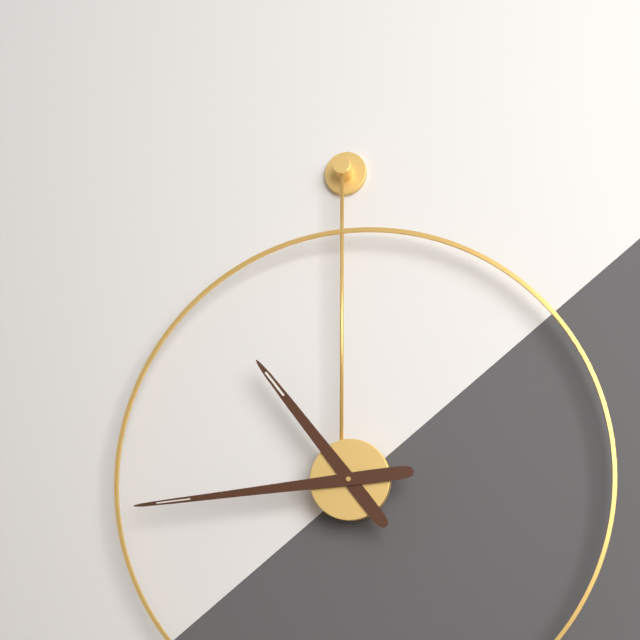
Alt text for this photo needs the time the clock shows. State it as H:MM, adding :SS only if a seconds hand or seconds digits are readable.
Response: 10:44
